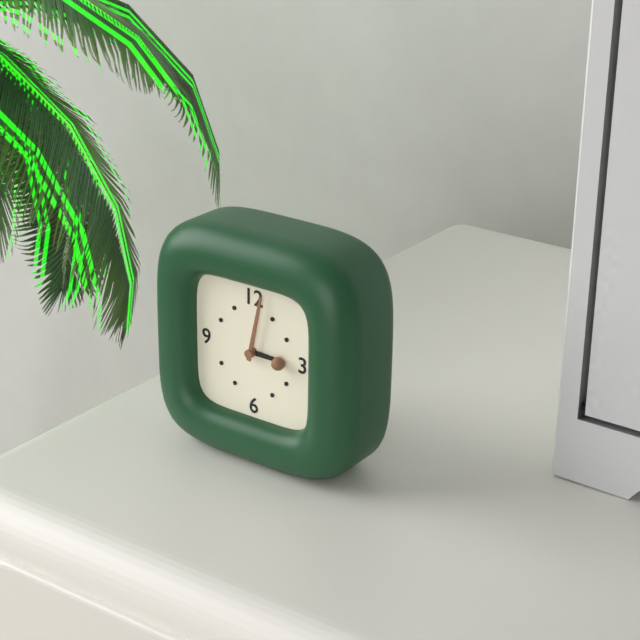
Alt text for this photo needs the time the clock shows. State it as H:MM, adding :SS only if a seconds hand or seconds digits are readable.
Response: 3:02
